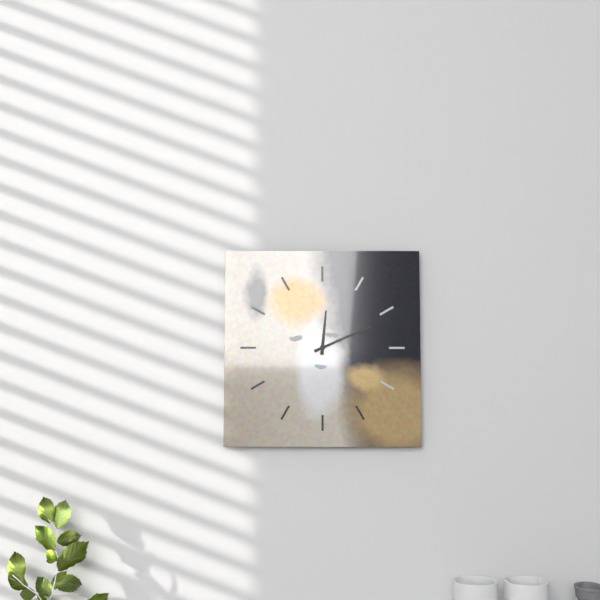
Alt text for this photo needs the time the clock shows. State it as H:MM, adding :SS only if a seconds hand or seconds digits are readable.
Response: 12:11
